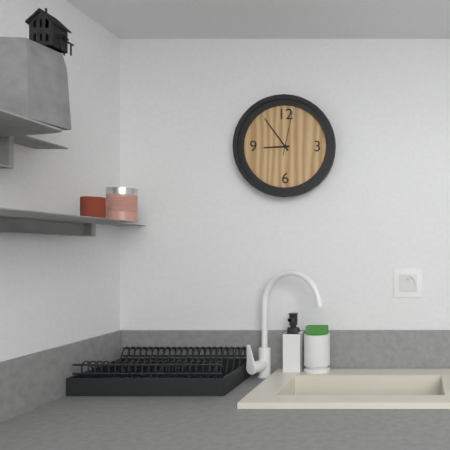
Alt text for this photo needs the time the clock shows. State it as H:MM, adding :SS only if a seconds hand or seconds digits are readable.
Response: 8:54
